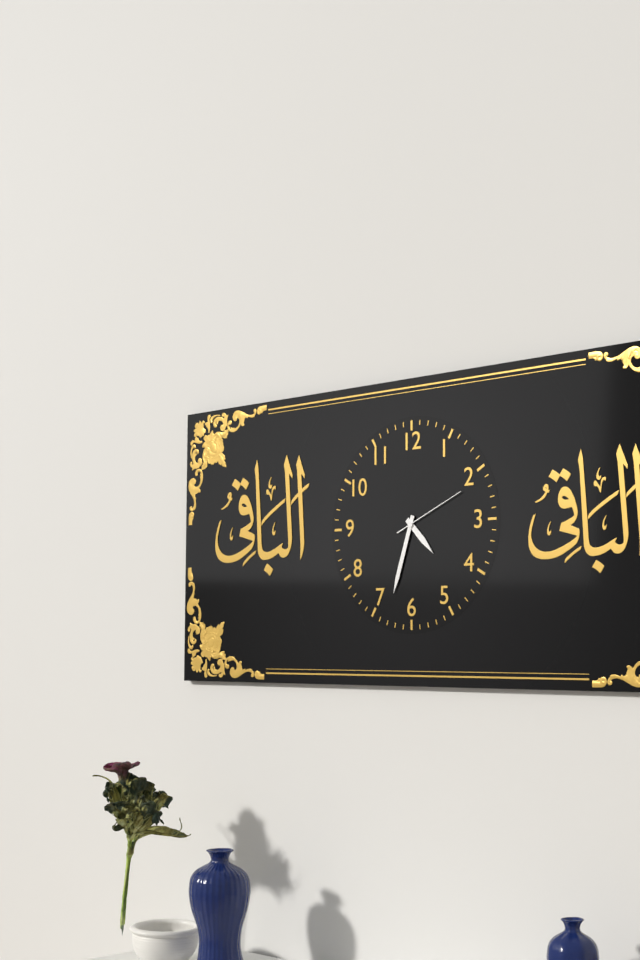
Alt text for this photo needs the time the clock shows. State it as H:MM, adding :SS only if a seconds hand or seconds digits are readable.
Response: 4:33:11
